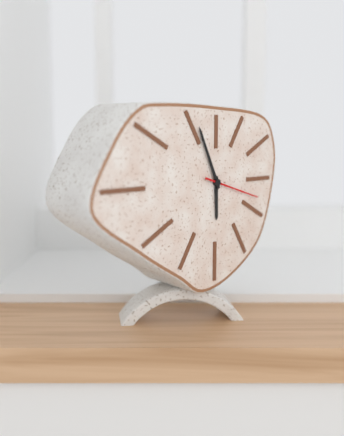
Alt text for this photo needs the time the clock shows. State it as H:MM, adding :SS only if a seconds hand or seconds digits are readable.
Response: 5:56:18
